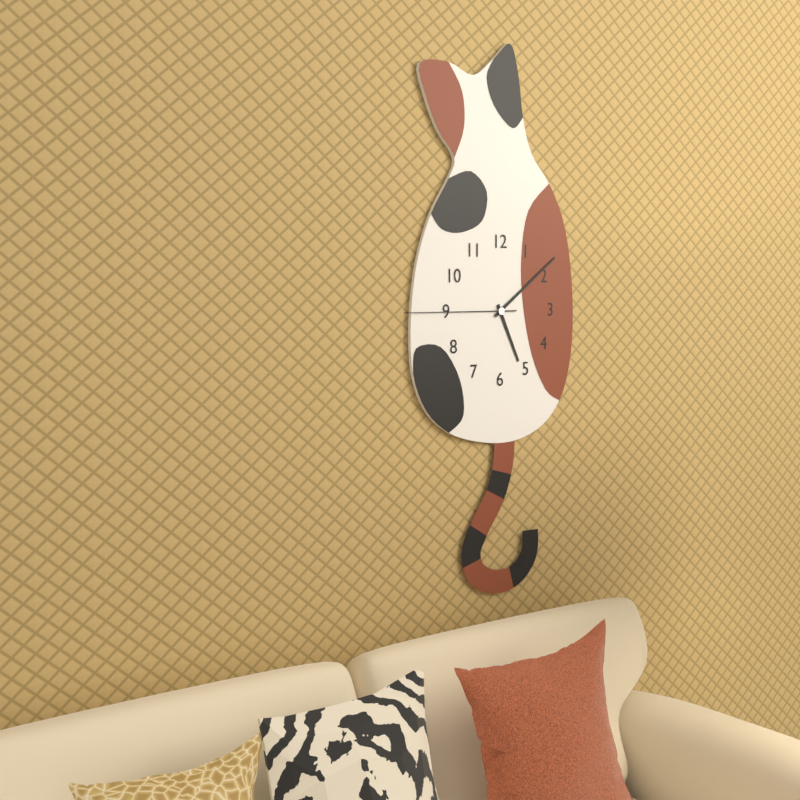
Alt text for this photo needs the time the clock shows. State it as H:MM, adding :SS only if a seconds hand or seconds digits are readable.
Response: 5:09:45
